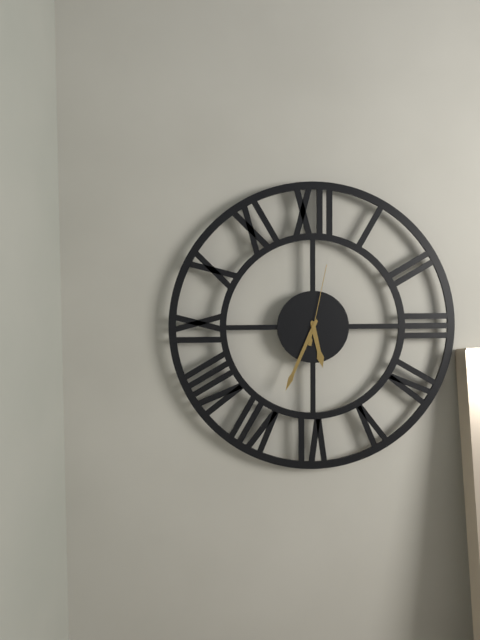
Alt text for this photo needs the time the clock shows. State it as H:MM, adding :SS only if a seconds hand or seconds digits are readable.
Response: 5:34:02
